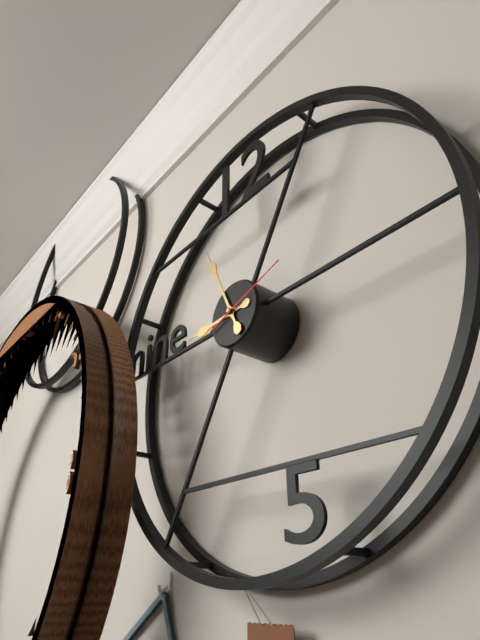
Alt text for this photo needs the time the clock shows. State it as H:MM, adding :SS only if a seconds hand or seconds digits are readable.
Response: 8:56:12
